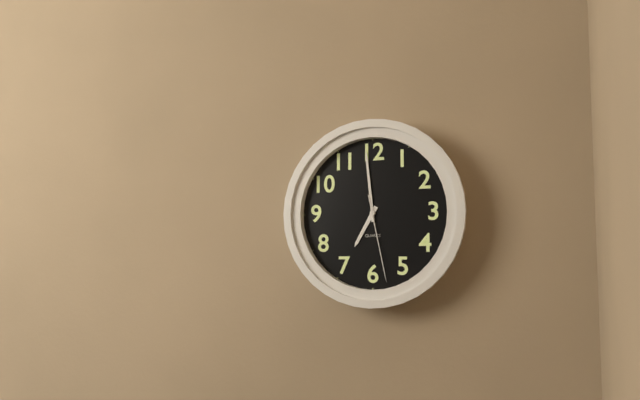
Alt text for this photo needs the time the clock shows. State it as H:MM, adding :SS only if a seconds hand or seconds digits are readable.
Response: 6:59:28
